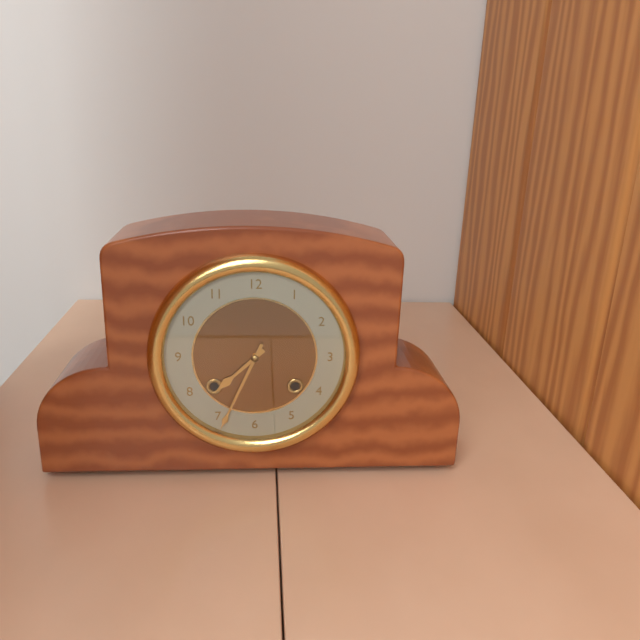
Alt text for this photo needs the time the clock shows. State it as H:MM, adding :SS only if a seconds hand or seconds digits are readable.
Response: 7:34
